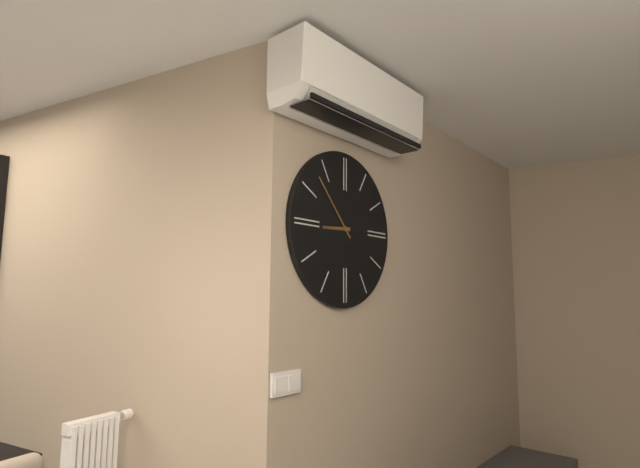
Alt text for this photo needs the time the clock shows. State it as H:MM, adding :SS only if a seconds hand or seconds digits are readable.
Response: 8:53
